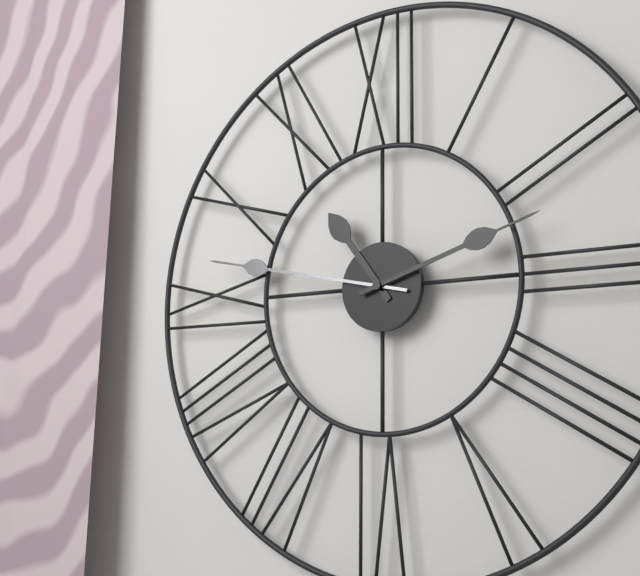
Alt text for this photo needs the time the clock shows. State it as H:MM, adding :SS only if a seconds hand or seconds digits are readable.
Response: 10:47:12
